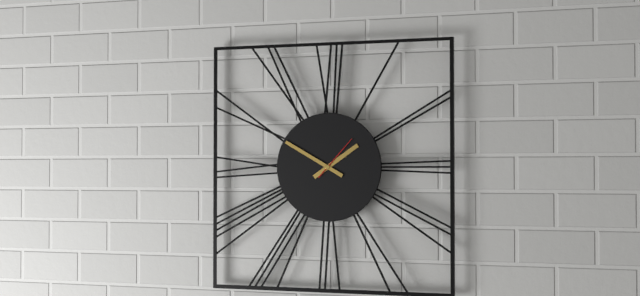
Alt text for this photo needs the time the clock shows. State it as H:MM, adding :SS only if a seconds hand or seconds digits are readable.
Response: 1:50
